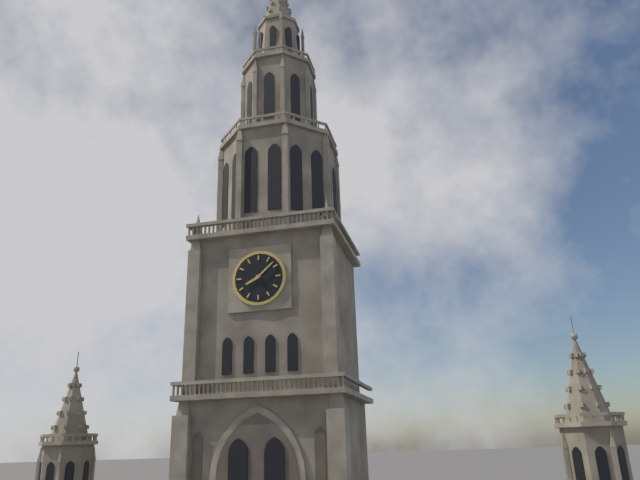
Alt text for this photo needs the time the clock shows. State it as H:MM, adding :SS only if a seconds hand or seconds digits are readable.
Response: 8:08
